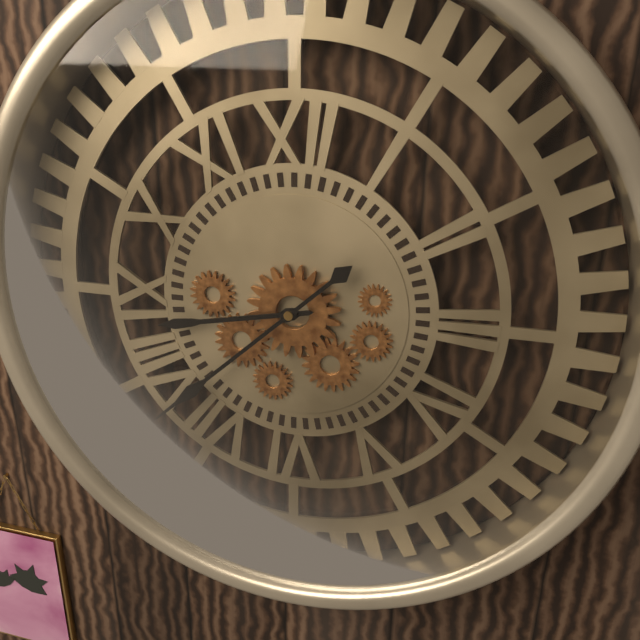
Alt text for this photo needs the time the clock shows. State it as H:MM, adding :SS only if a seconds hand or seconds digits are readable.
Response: 8:38
